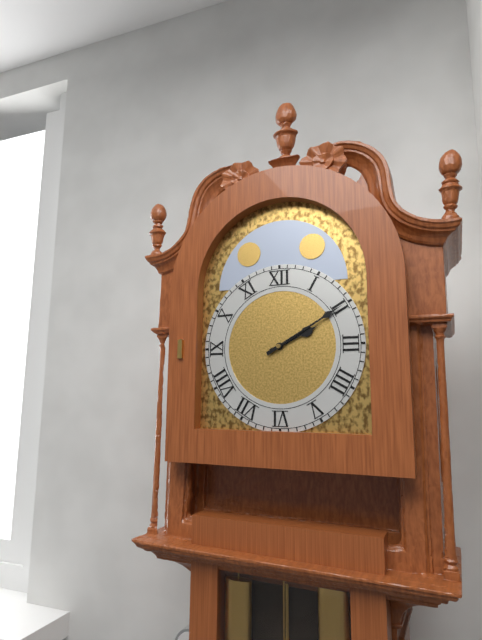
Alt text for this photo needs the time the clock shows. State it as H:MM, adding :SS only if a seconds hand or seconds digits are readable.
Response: 2:10
